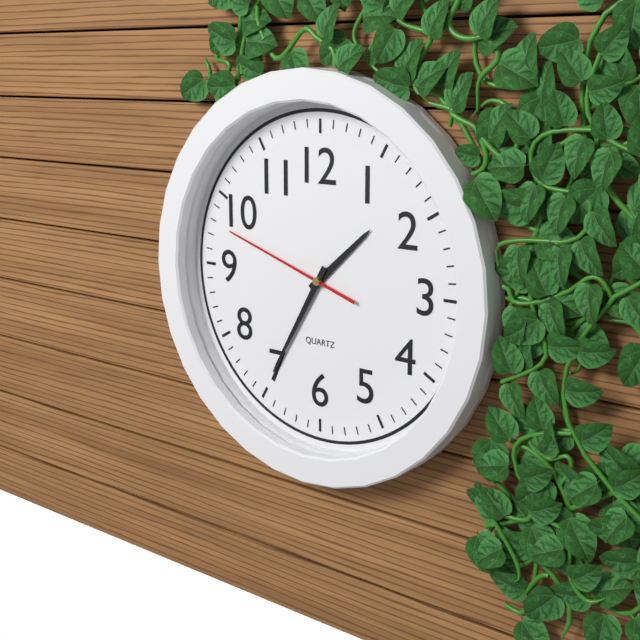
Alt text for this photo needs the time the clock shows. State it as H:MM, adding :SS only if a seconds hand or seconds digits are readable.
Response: 1:35:48
